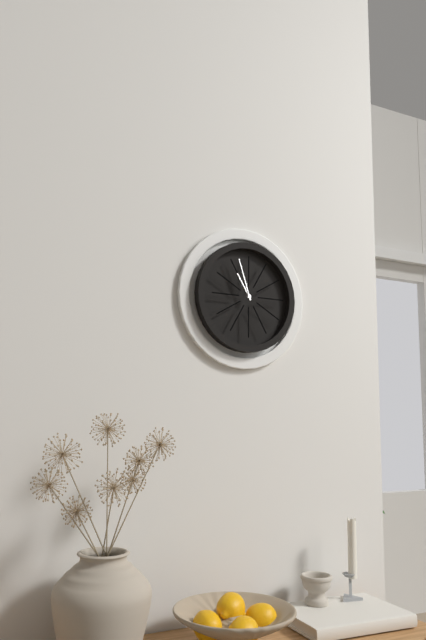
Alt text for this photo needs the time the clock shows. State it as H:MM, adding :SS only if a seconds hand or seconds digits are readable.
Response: 10:57
